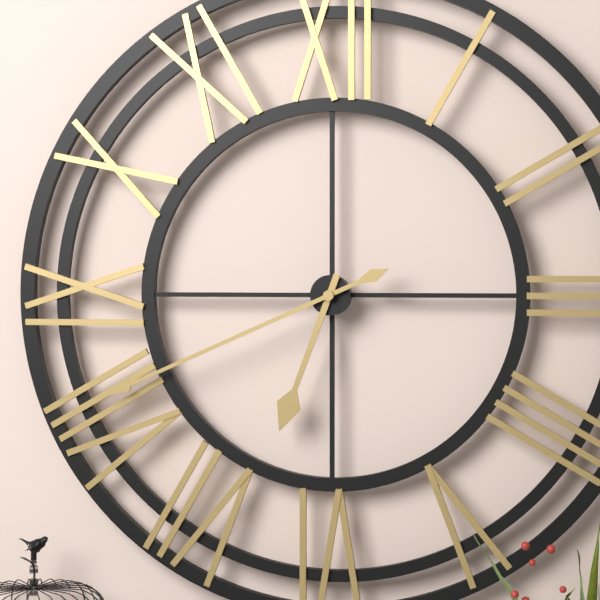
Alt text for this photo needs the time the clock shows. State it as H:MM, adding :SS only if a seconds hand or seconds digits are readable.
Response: 6:41
